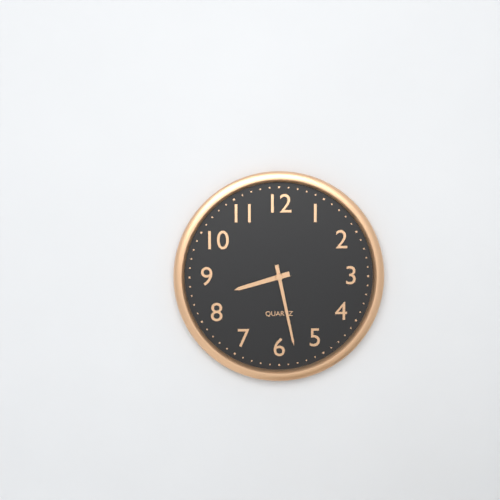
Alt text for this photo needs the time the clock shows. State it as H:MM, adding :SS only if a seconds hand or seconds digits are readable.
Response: 8:28
